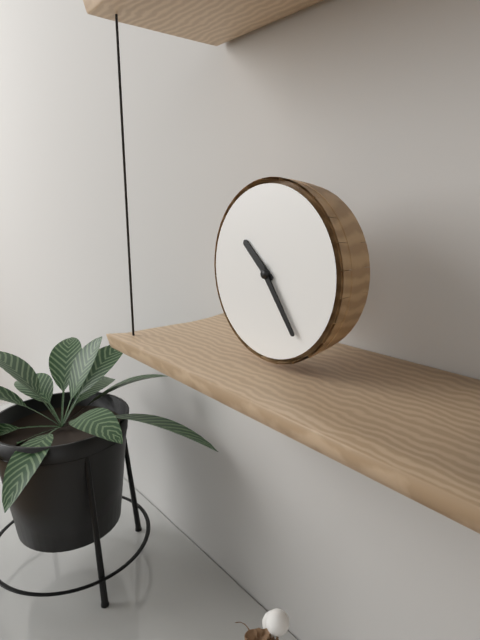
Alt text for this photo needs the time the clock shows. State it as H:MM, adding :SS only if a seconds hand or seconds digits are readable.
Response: 10:24
